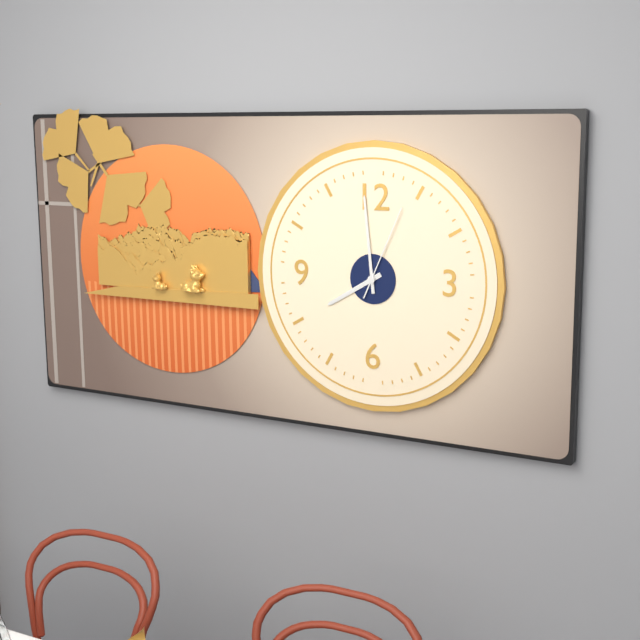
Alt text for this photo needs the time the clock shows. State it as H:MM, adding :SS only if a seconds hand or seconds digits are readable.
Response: 7:59:04
